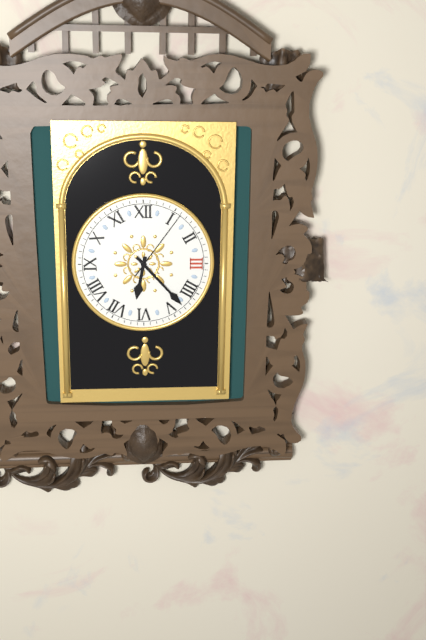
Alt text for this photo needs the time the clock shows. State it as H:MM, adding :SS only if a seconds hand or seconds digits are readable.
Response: 6:23:06
